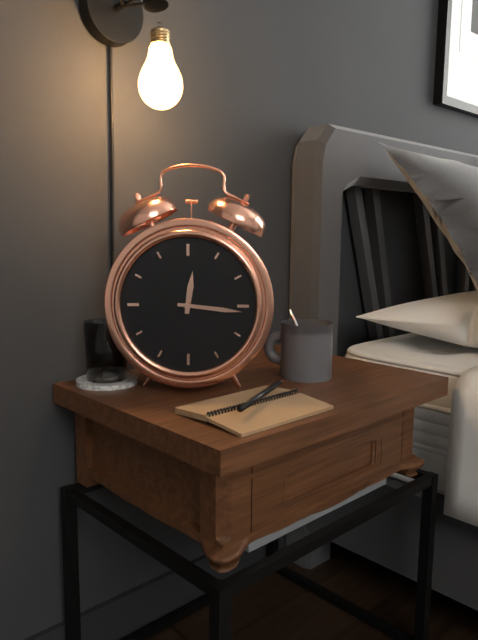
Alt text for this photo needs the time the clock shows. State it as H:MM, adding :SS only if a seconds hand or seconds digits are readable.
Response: 12:16
